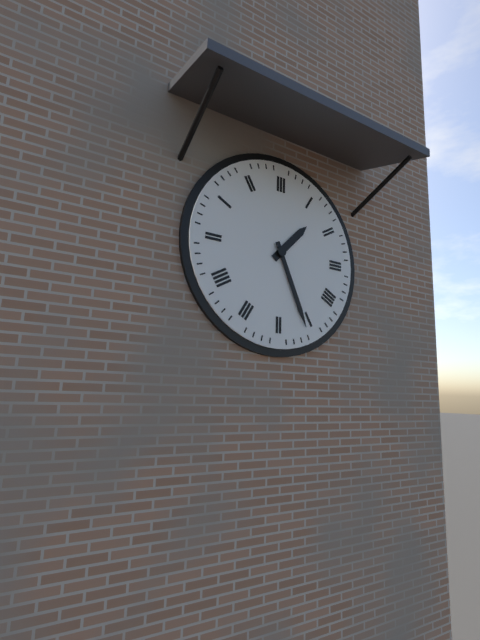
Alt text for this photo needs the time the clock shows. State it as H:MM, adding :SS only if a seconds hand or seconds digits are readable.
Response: 1:26
